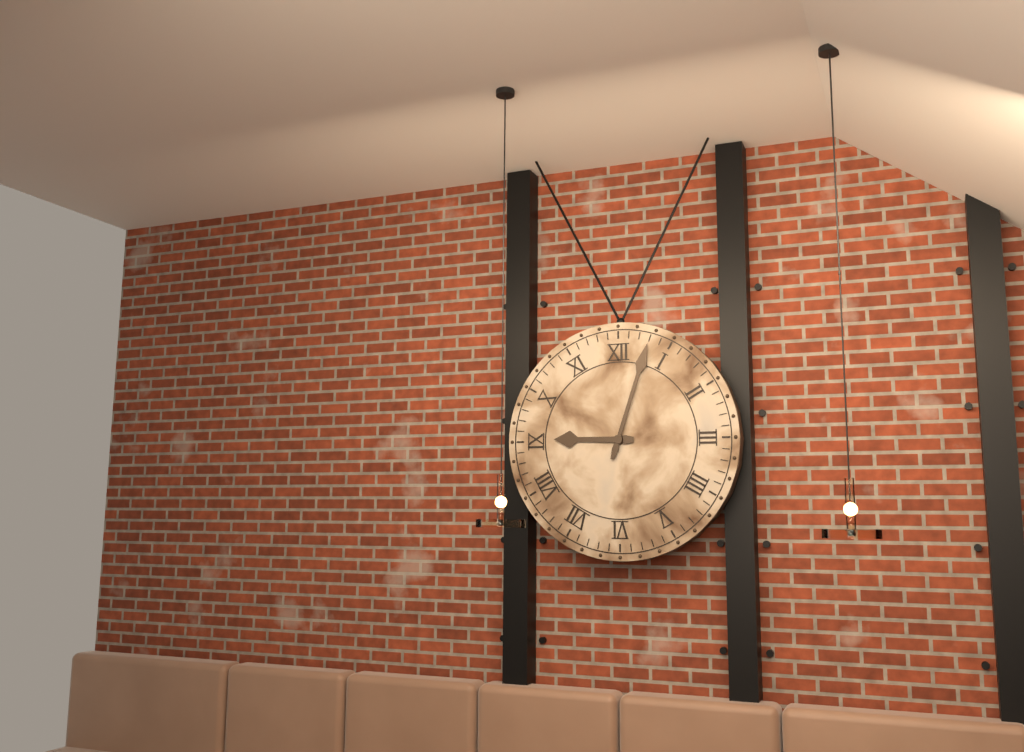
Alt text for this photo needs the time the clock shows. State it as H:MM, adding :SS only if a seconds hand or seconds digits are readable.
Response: 9:03
